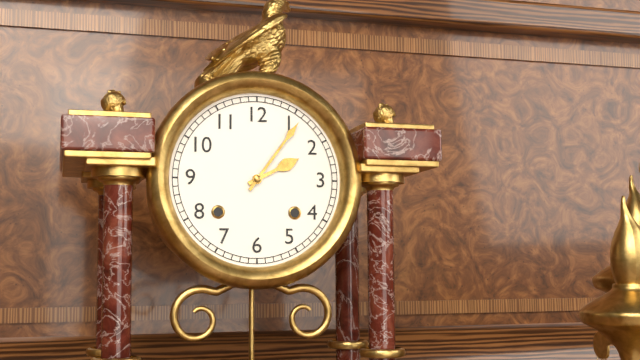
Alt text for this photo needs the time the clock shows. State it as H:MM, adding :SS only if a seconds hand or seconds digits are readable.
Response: 2:06
